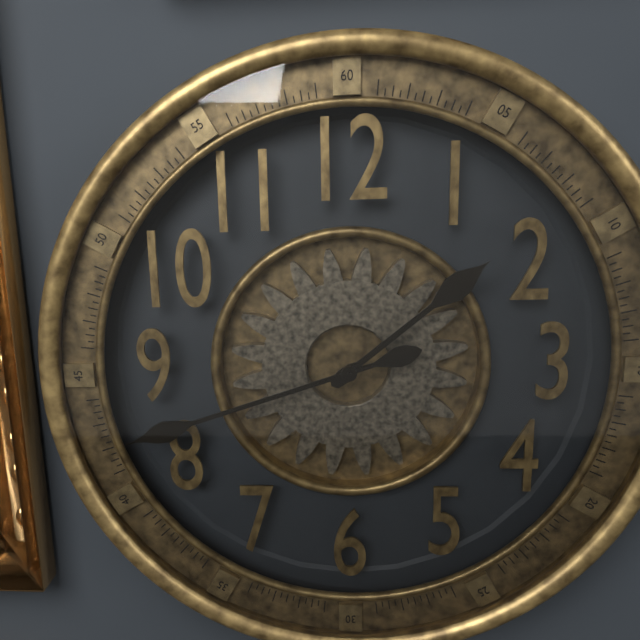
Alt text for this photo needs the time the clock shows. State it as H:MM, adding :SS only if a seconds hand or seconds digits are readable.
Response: 1:42
